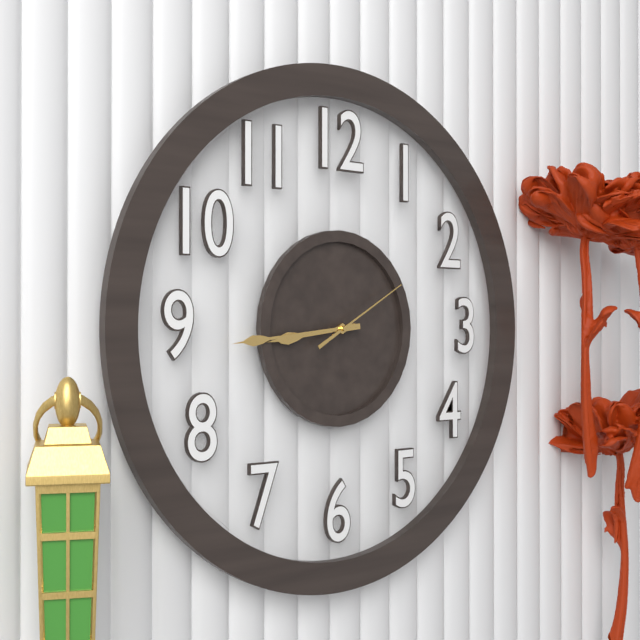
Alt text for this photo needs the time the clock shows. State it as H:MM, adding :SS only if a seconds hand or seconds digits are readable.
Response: 8:44:10
